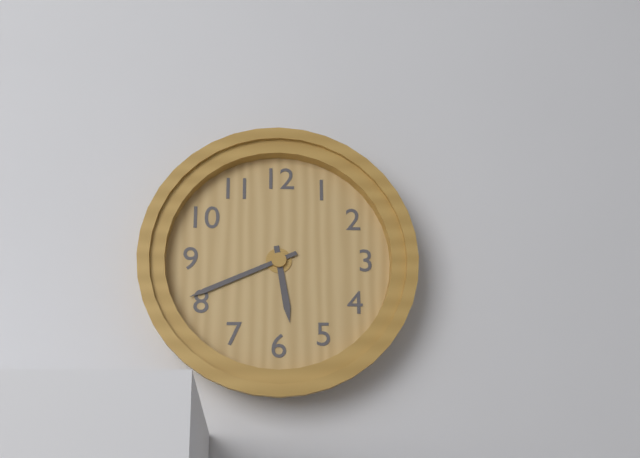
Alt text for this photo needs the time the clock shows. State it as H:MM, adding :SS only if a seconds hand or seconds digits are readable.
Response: 5:41
